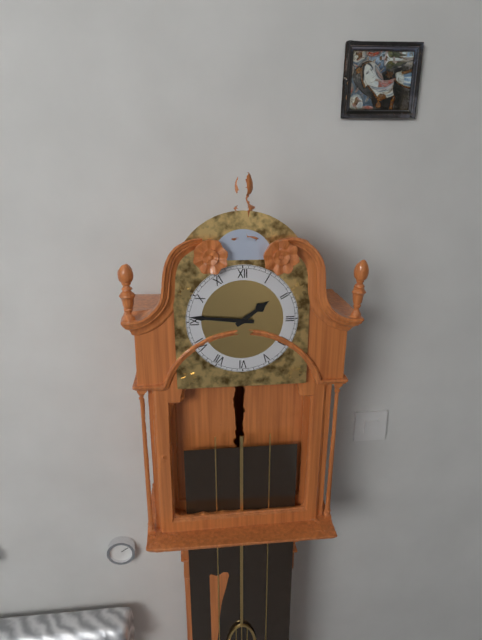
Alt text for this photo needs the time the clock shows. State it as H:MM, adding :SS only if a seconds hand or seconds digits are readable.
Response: 1:46
